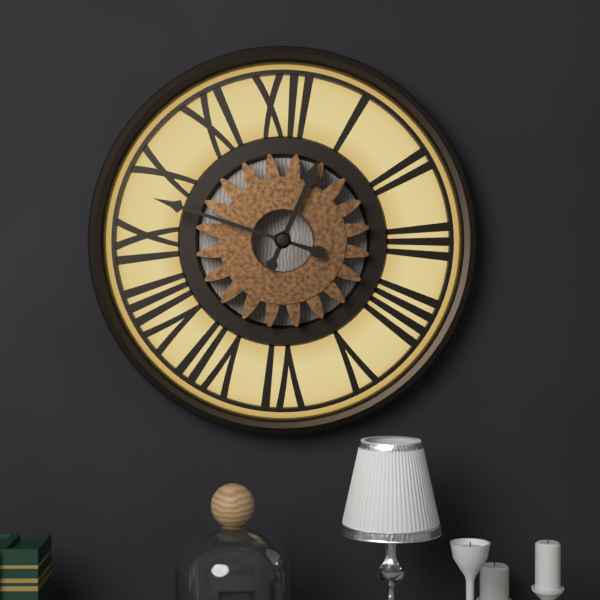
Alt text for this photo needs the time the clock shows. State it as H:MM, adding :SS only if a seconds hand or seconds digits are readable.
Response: 12:48
